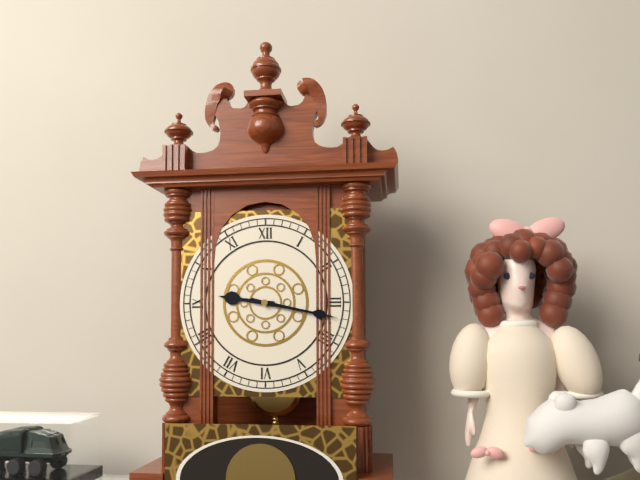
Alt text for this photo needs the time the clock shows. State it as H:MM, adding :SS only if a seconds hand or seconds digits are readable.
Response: 9:17
